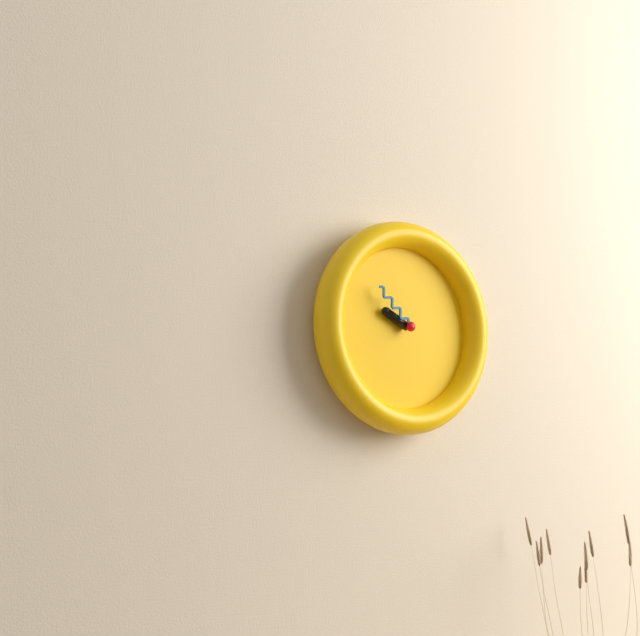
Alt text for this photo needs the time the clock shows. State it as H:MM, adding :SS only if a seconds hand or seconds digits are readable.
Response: 9:52
